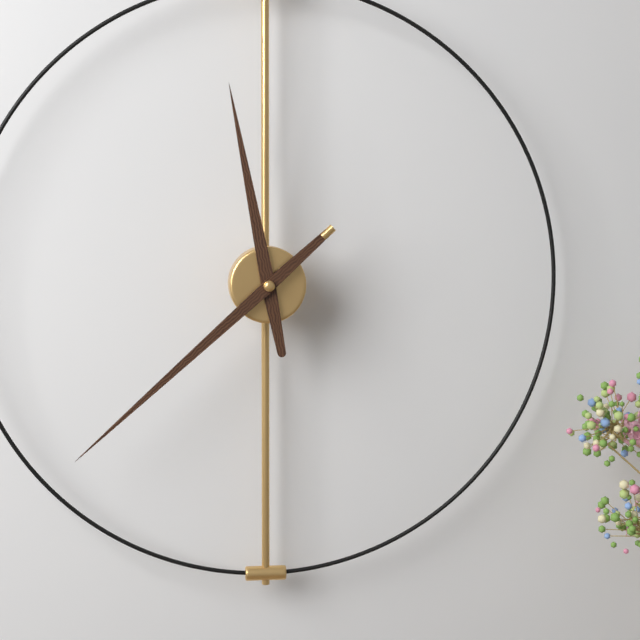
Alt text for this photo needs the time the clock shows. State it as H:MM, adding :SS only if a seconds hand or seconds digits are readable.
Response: 11:38
